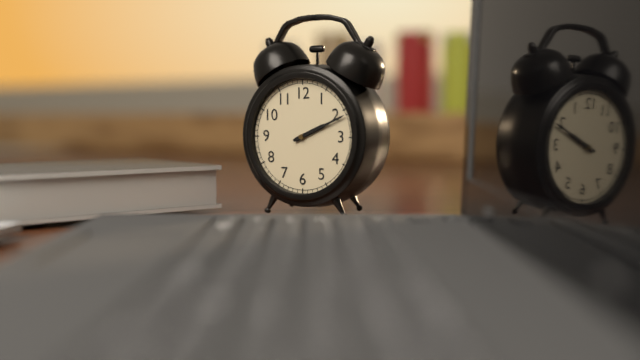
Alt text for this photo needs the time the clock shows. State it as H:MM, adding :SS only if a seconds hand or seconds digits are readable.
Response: 2:11
